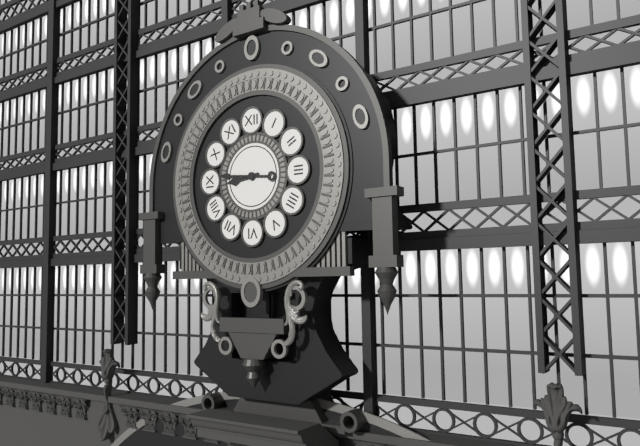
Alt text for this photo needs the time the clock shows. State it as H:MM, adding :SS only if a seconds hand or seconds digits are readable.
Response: 8:46
